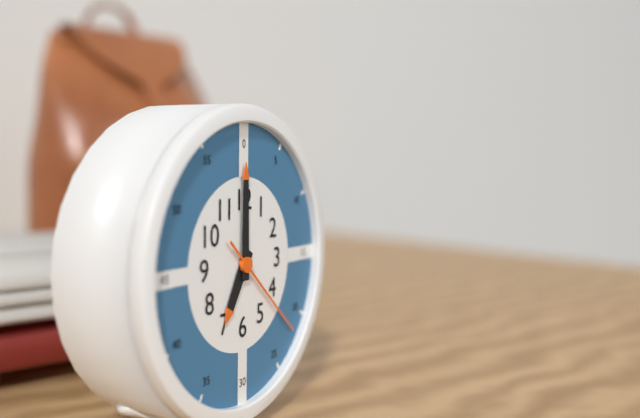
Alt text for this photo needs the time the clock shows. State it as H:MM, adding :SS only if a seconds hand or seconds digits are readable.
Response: 7:00:22
